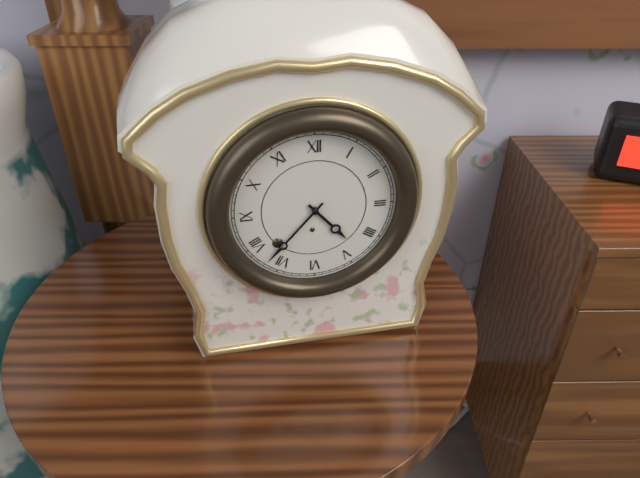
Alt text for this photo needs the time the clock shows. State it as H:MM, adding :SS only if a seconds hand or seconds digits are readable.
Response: 4:37
